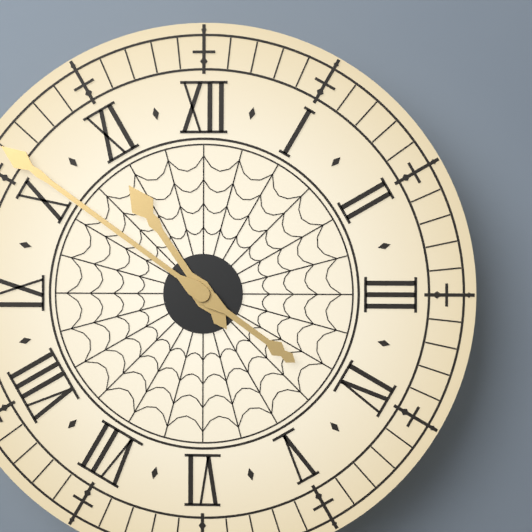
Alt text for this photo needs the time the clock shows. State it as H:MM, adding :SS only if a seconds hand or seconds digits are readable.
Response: 10:51
